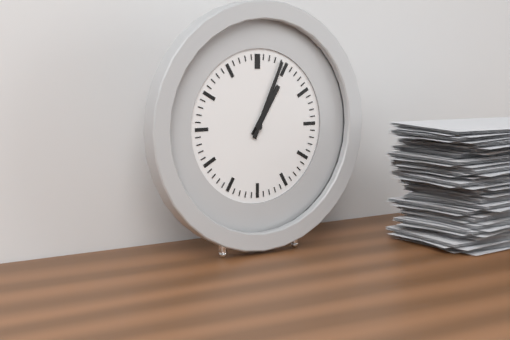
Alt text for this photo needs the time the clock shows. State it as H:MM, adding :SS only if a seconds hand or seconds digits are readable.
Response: 1:04
